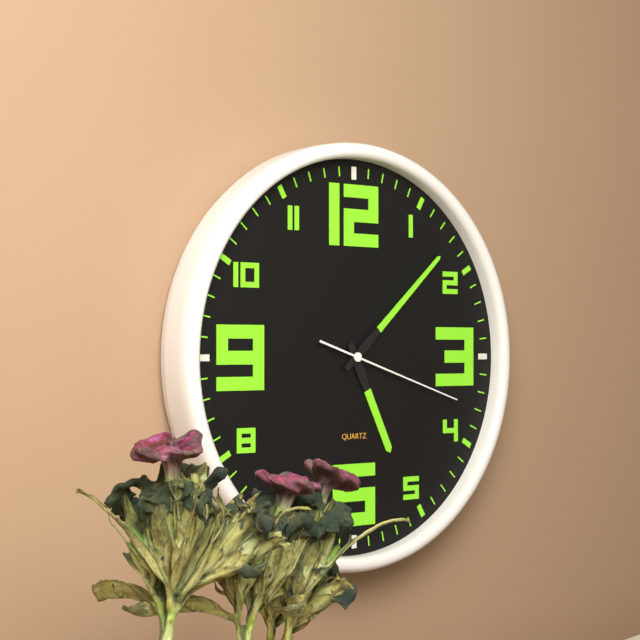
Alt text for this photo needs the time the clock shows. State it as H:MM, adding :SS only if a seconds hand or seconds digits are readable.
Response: 5:08:18
